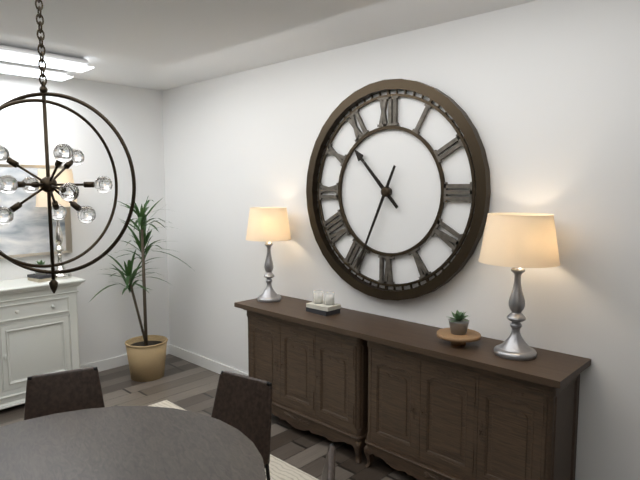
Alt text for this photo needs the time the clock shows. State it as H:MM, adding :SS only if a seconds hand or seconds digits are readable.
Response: 10:34
